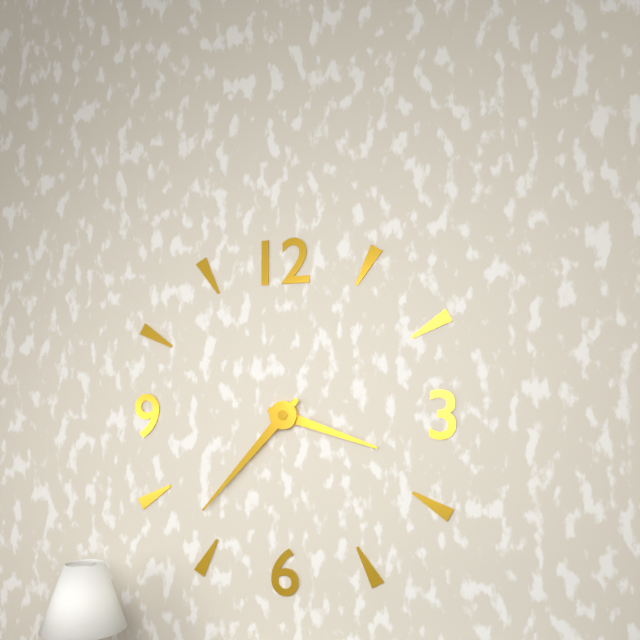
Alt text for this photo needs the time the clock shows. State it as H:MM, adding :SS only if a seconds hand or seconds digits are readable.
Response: 3:37
